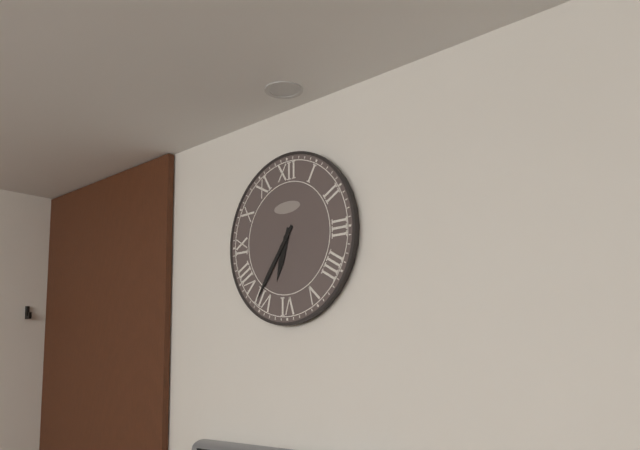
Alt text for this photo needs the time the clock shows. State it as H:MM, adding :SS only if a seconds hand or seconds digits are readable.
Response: 6:36
